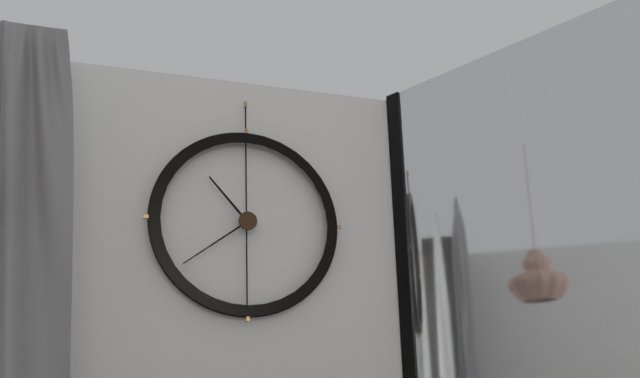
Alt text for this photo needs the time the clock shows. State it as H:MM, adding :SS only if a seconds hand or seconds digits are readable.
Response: 10:39
